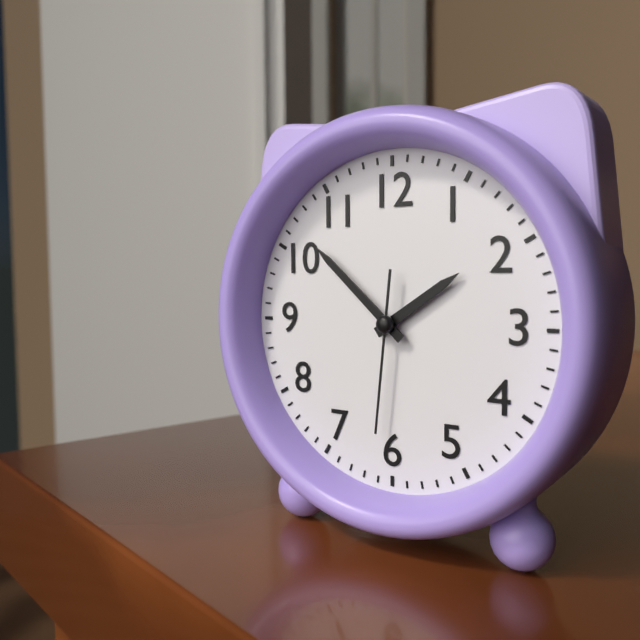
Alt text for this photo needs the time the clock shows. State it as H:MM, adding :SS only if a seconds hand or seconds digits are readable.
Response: 1:52:31
